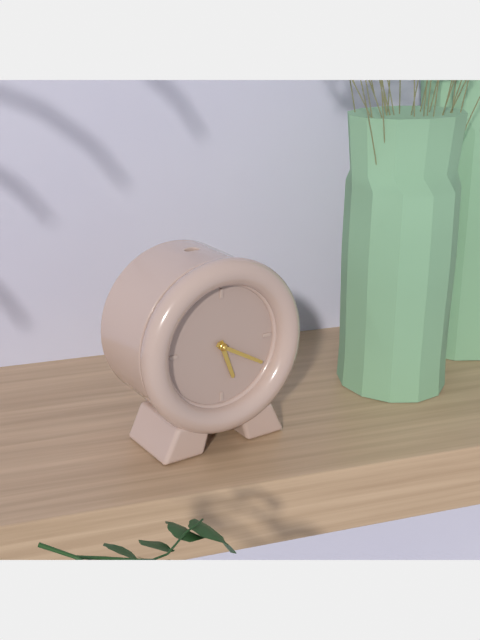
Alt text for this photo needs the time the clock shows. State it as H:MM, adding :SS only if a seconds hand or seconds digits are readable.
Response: 5:20
